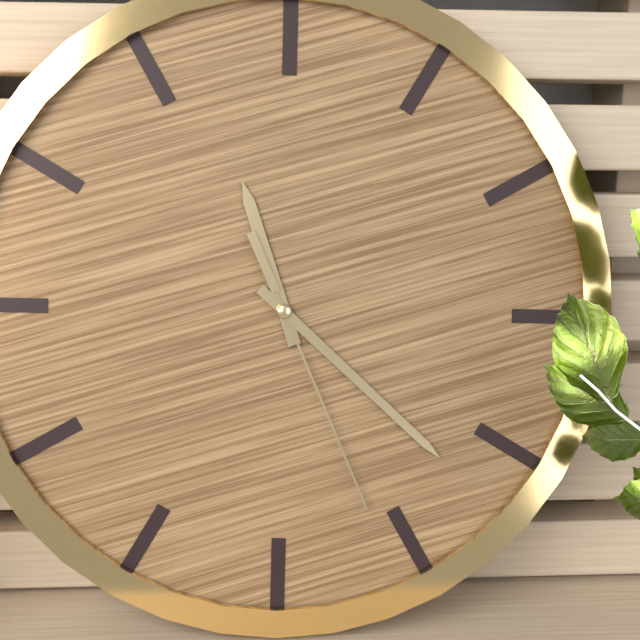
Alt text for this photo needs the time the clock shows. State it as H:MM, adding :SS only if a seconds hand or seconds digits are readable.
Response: 11:22:26
